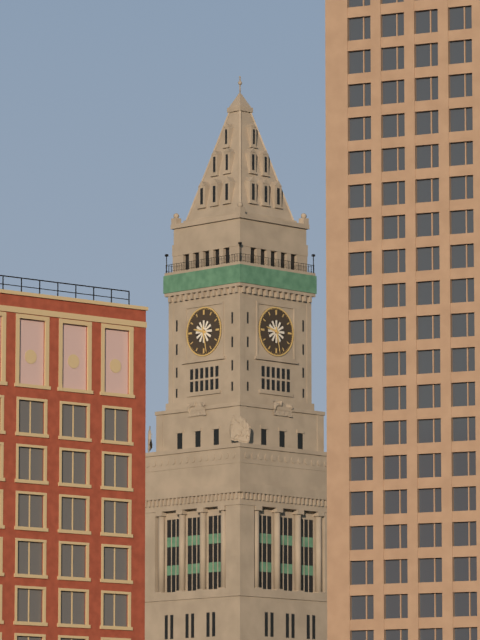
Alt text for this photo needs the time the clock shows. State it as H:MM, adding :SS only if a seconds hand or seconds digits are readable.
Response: 9:28
